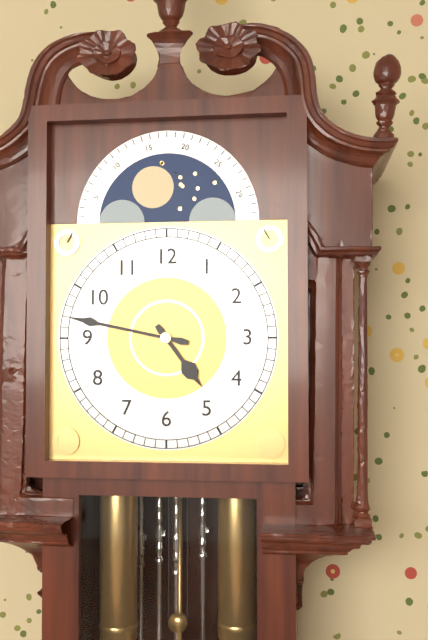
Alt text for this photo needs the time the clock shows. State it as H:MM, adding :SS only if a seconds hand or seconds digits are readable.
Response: 4:47
